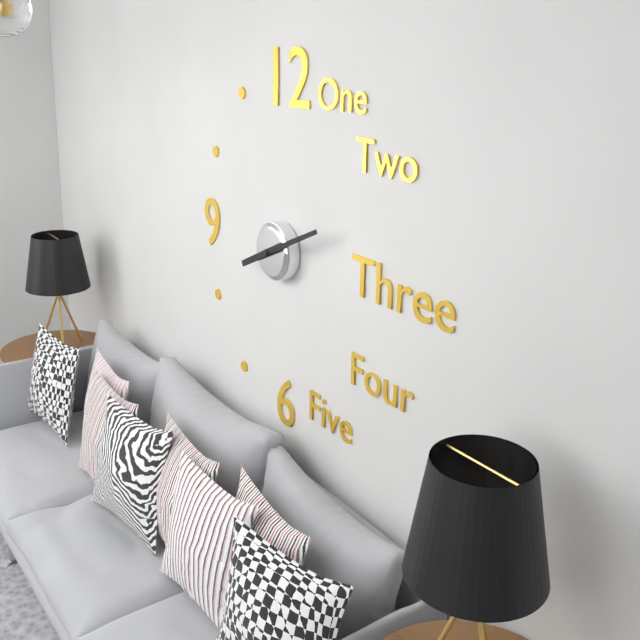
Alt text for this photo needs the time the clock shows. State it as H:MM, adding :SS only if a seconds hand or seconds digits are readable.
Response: 8:11
